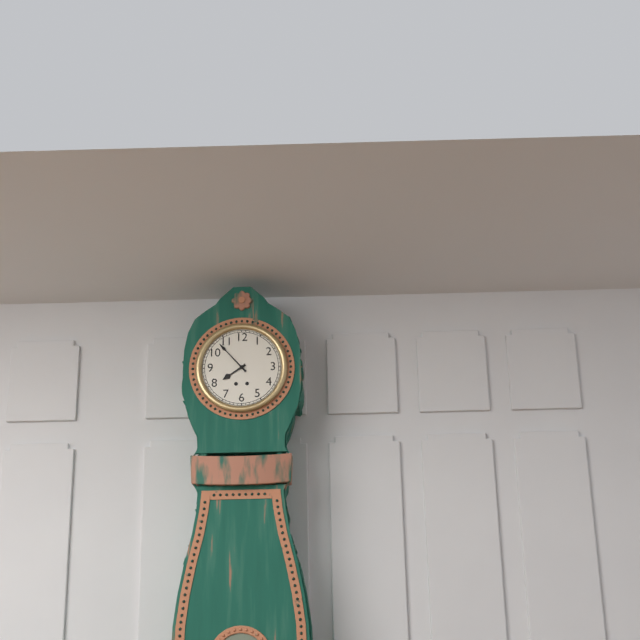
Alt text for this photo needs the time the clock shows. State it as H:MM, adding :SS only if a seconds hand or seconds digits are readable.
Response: 7:53
